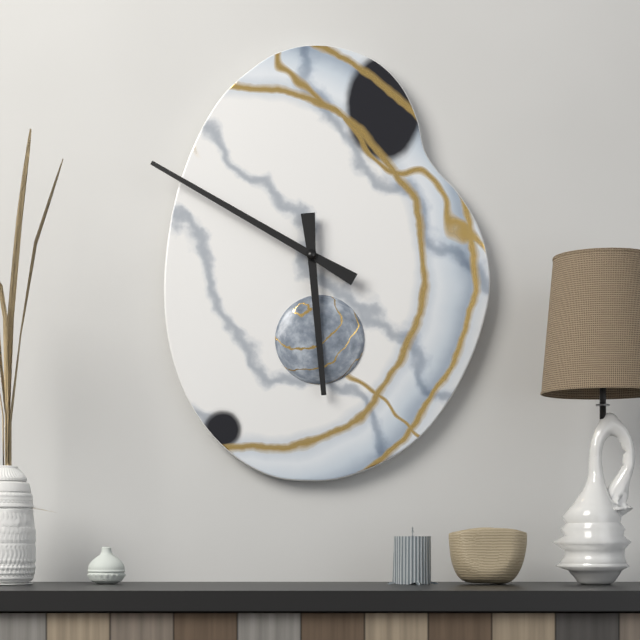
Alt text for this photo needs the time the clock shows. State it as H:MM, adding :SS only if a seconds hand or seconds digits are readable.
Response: 5:50
